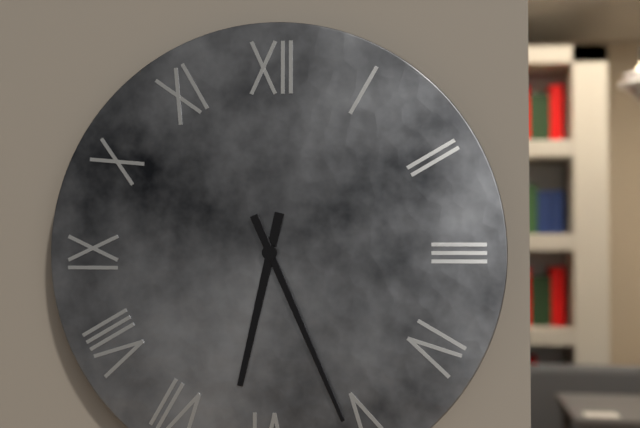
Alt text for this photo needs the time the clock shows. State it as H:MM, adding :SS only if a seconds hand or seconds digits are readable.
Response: 6:26
